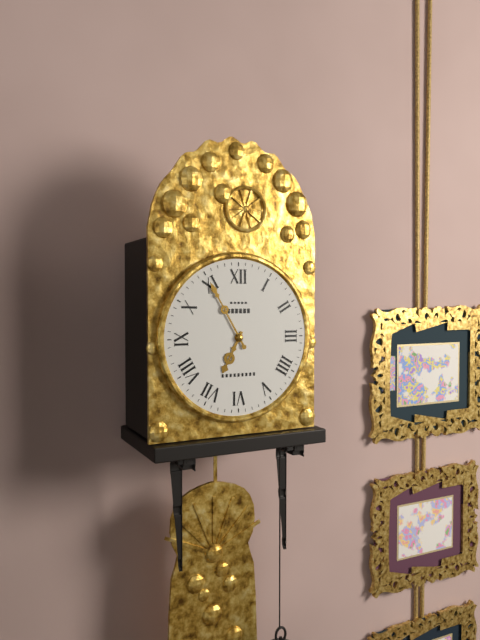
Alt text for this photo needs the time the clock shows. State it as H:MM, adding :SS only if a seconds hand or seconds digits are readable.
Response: 6:55
